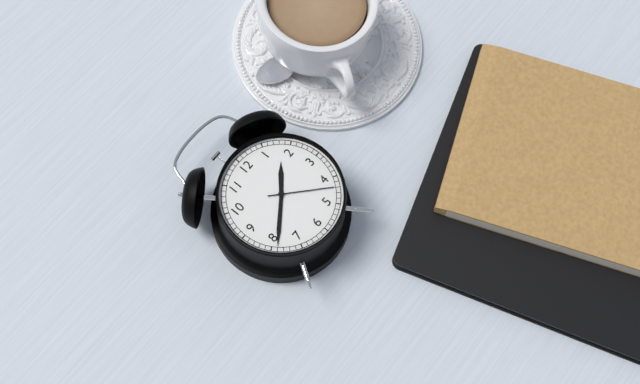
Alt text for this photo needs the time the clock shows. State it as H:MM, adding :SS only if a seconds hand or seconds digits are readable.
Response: 1:39:22
